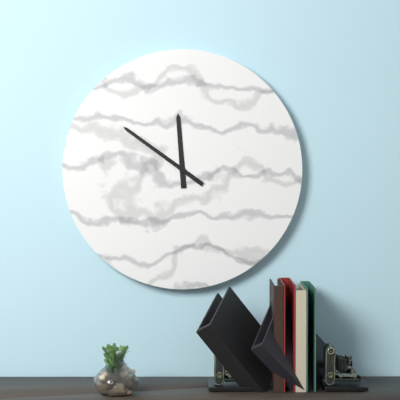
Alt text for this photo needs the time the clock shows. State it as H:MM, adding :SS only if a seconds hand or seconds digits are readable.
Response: 11:51
